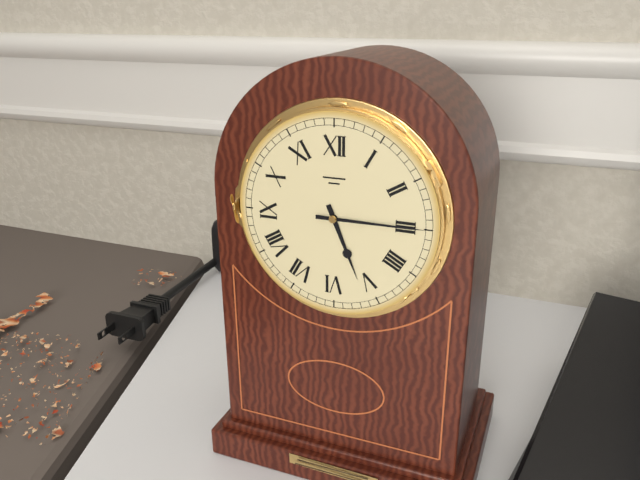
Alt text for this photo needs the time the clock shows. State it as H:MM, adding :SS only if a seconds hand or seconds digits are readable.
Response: 5:15
